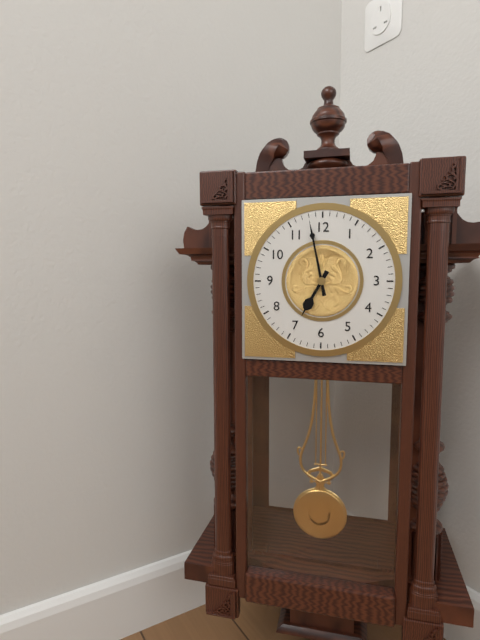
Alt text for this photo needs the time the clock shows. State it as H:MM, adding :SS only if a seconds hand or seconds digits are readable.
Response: 6:58
